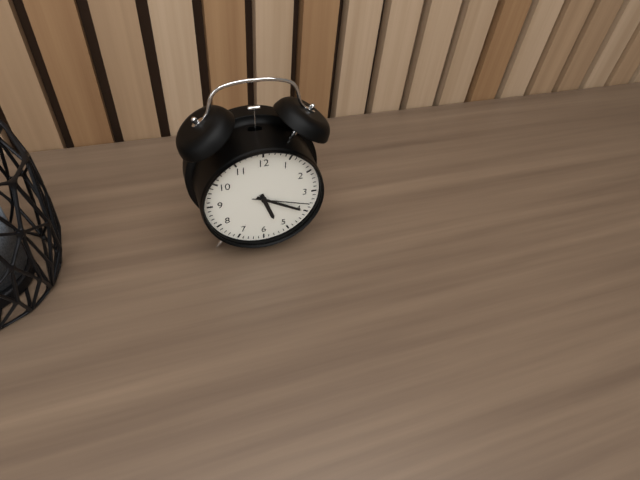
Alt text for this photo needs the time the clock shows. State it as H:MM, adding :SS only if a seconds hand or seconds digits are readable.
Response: 5:20:18
